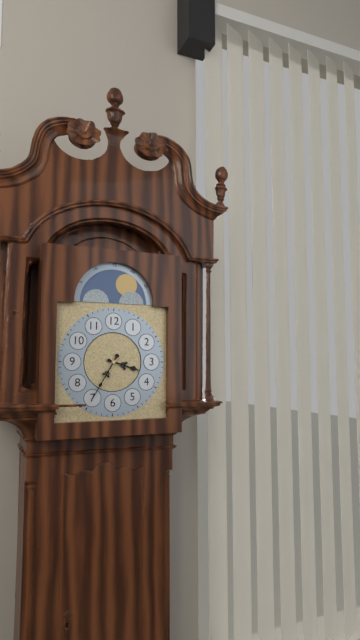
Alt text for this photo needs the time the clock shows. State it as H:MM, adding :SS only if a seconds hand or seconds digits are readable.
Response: 3:35
